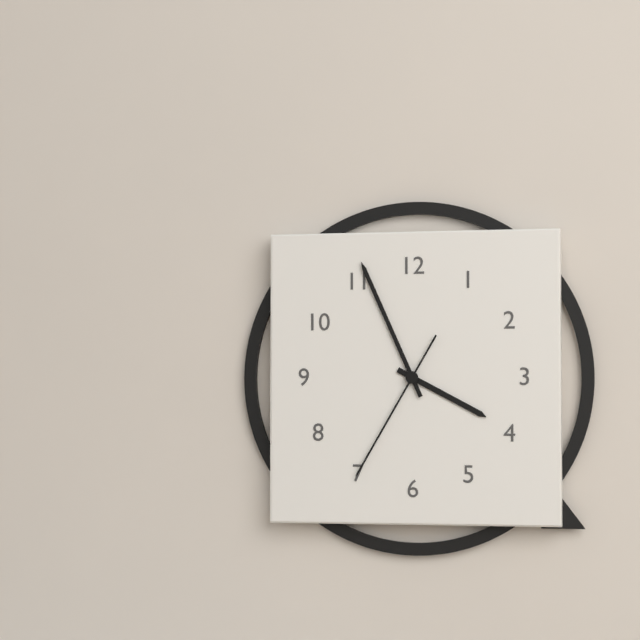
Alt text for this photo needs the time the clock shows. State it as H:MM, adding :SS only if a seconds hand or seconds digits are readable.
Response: 3:56:35
